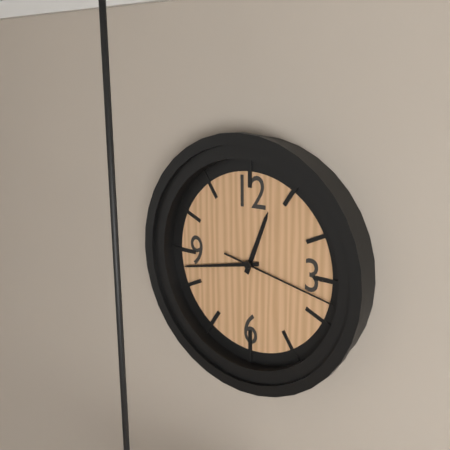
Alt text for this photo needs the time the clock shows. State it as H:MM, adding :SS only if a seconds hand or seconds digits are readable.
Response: 12:43:17
